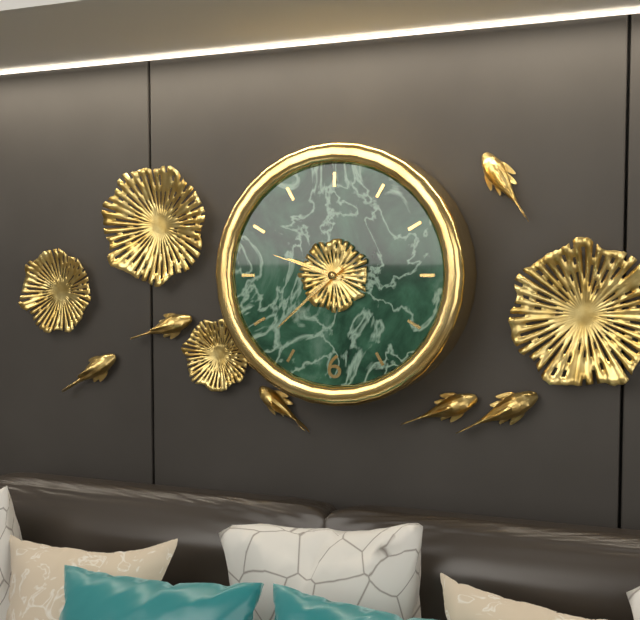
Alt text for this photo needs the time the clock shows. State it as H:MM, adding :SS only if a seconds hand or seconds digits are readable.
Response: 9:38:48
